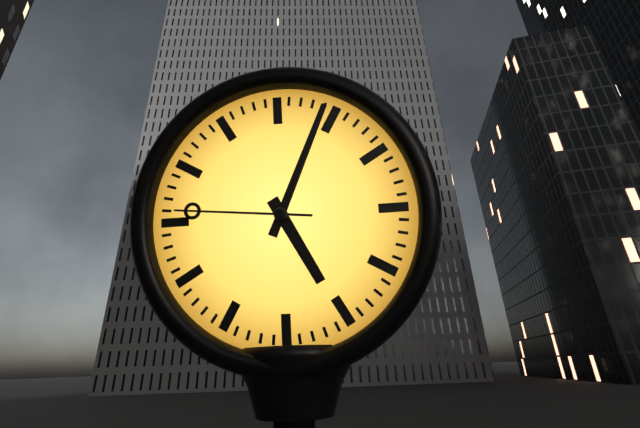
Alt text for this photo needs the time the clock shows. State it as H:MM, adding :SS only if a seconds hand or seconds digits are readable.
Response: 5:04:46
